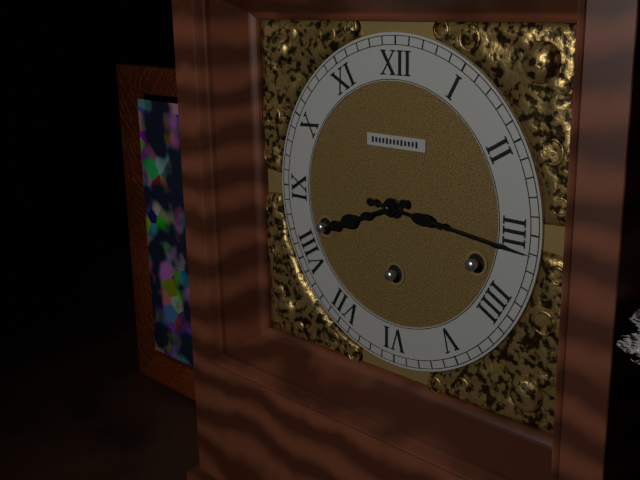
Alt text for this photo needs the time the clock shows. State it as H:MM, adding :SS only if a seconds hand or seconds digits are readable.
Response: 8:16
